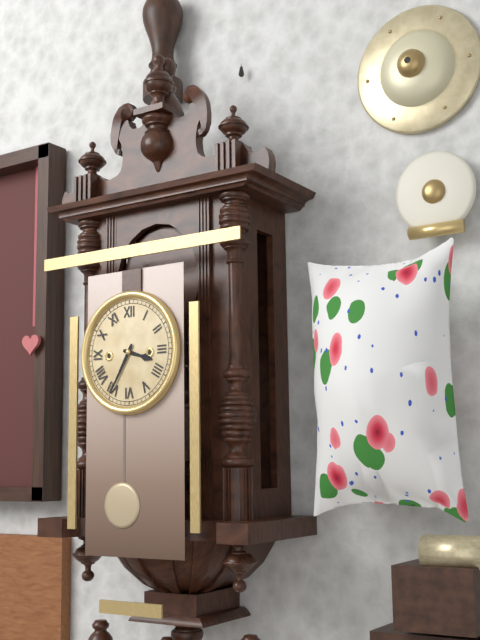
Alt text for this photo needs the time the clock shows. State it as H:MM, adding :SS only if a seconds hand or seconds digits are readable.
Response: 3:35
